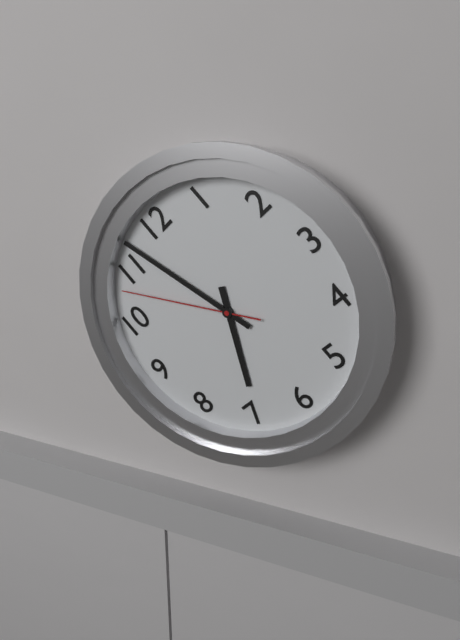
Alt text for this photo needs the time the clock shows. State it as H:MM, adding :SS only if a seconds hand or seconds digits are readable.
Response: 6:57:53
